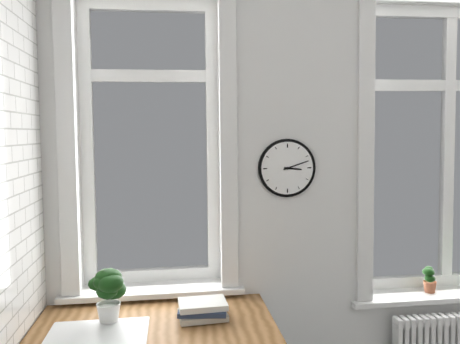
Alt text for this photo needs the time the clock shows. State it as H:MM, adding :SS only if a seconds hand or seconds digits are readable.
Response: 3:12
